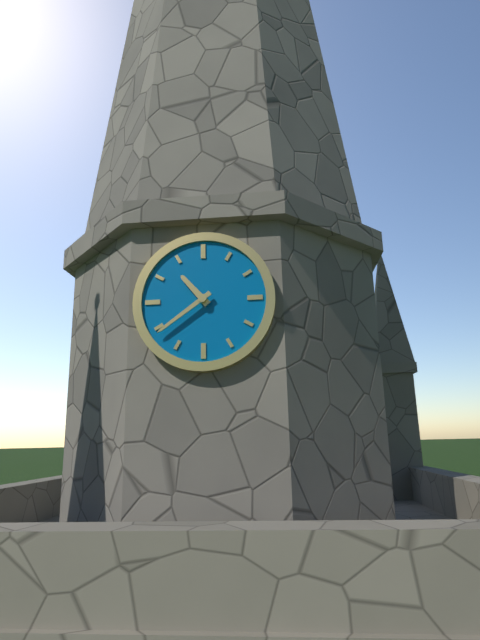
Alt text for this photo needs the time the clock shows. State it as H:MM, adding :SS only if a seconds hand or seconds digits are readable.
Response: 10:39
